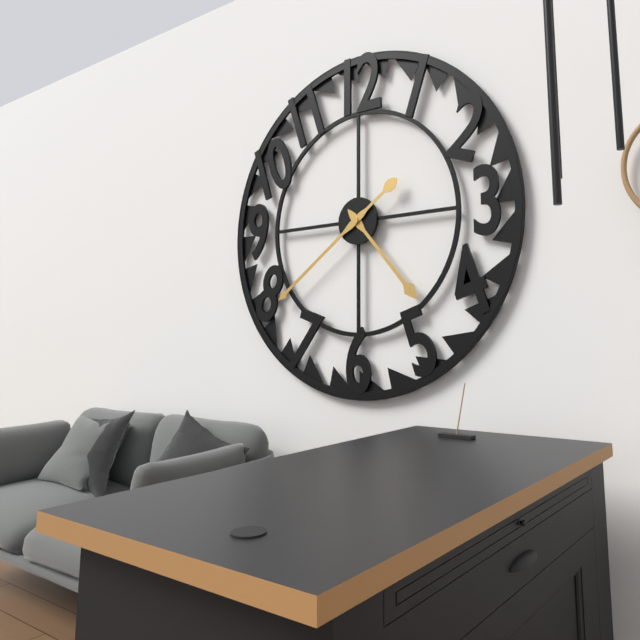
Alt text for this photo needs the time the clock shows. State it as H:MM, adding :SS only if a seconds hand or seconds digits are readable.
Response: 4:39
